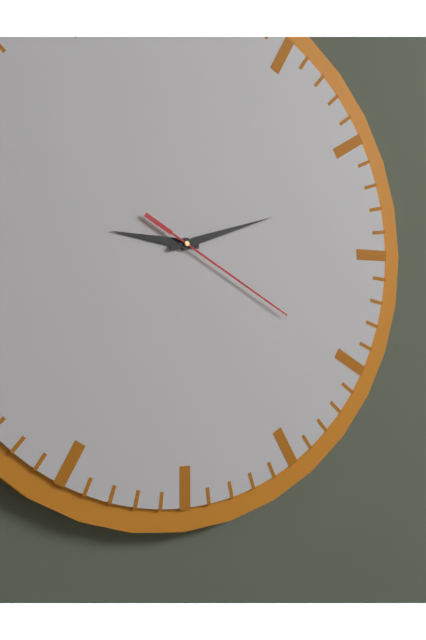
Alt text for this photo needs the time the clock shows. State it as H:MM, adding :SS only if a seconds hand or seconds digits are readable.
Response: 9:12:20
